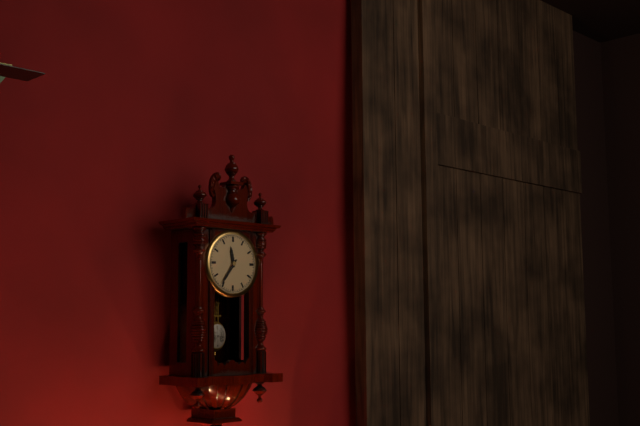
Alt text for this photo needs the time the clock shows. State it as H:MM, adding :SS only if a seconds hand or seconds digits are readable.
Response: 11:36
